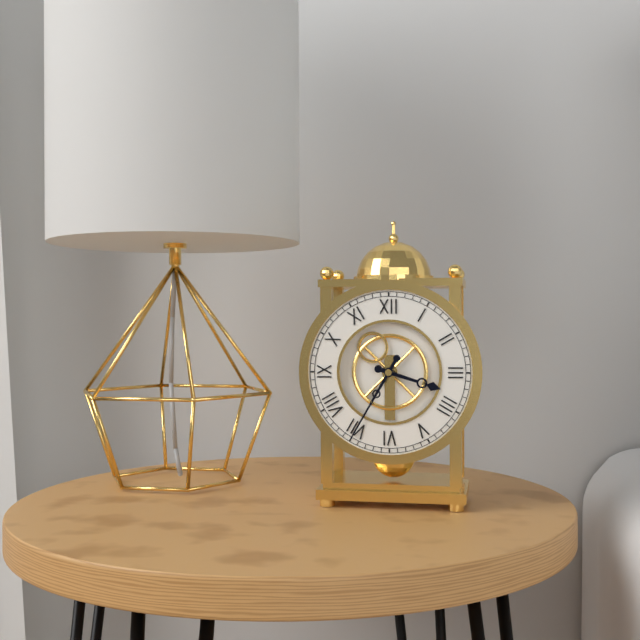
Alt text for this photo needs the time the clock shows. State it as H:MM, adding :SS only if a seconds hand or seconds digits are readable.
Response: 3:35
